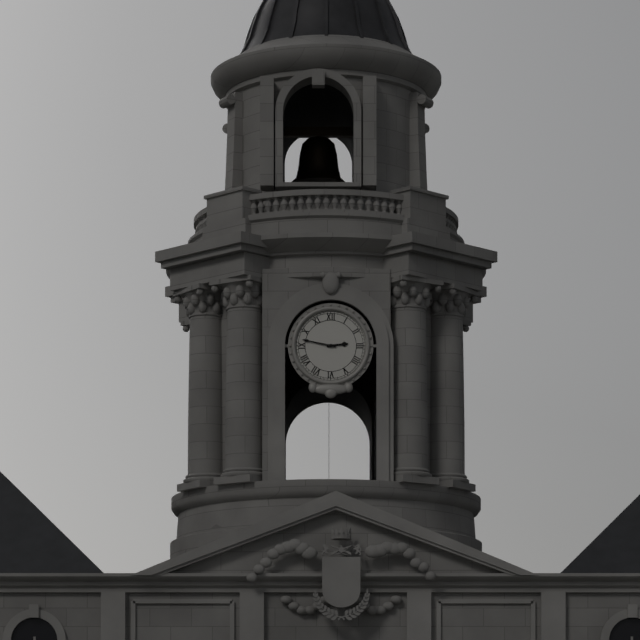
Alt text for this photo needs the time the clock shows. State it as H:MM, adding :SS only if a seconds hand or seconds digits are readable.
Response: 2:47
